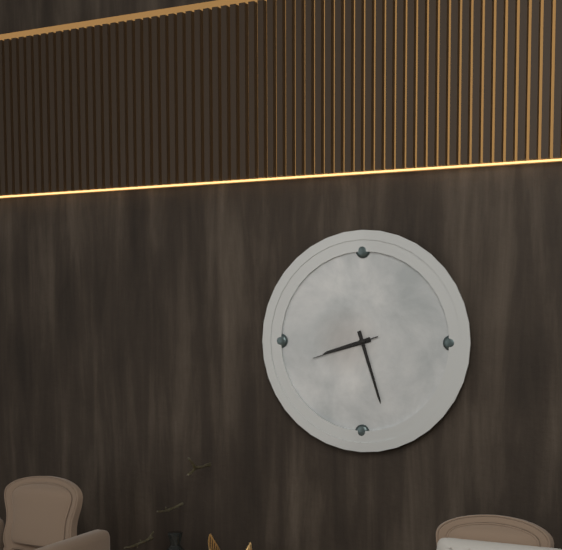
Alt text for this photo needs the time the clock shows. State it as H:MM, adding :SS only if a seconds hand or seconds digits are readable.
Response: 8:27:42
